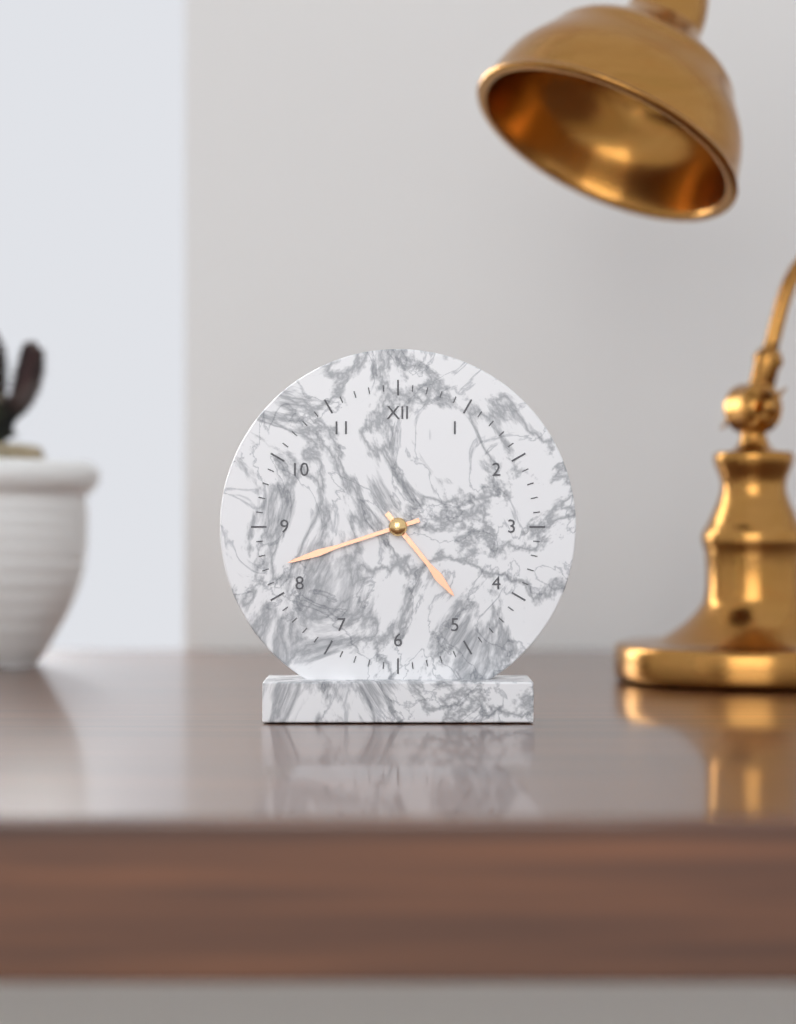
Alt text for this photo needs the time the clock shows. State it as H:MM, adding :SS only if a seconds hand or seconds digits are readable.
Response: 4:42
